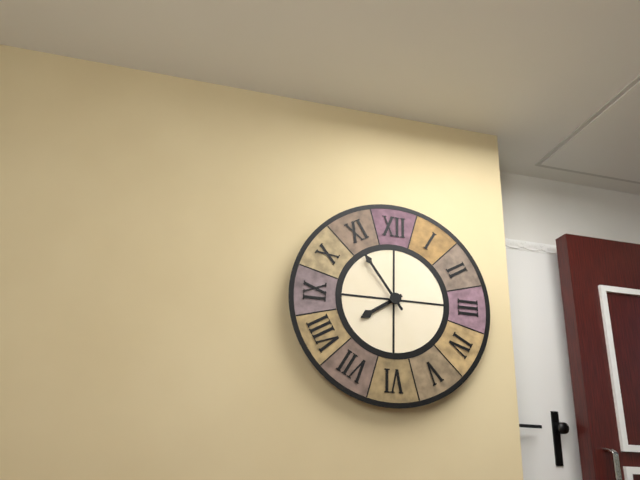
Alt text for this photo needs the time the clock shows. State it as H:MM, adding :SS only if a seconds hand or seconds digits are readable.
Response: 7:54
